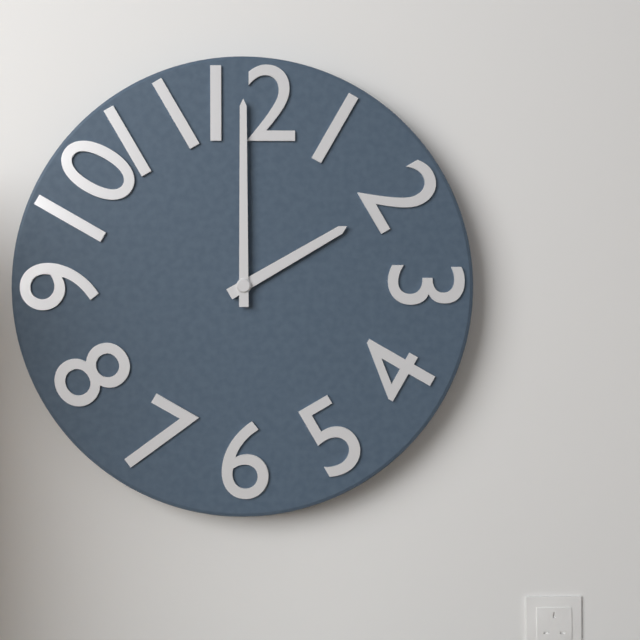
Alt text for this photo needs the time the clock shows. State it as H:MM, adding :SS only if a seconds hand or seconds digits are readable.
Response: 2:00
